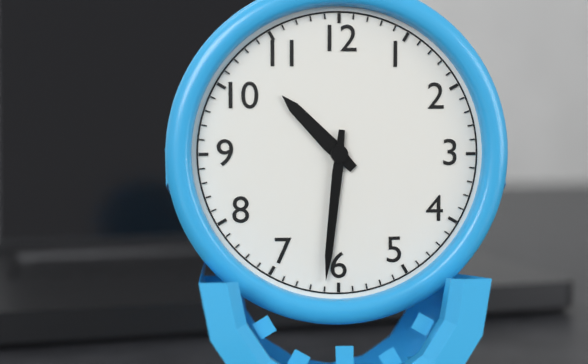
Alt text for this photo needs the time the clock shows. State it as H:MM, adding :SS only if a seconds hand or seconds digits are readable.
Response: 10:31
